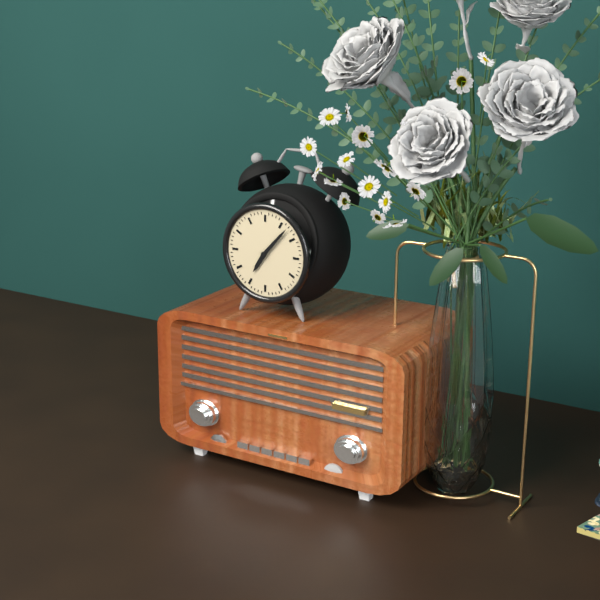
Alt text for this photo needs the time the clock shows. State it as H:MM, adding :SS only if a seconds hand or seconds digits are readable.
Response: 7:07
